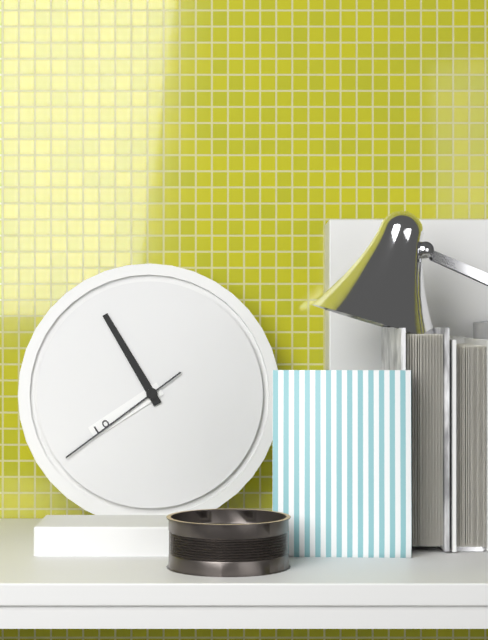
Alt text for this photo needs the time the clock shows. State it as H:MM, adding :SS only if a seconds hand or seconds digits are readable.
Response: 7:55:39
